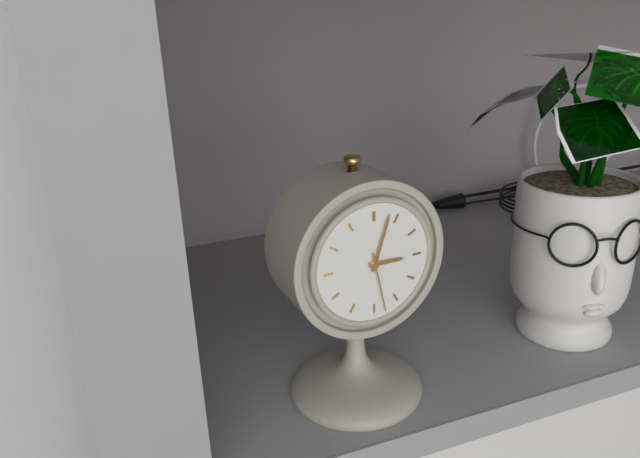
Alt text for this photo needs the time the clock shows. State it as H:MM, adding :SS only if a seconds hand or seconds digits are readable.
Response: 3:03:28
